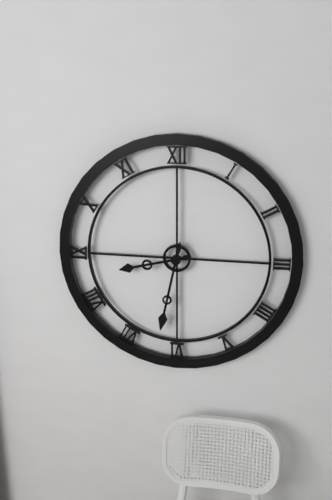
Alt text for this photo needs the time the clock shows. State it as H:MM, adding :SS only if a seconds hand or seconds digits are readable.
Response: 8:32
